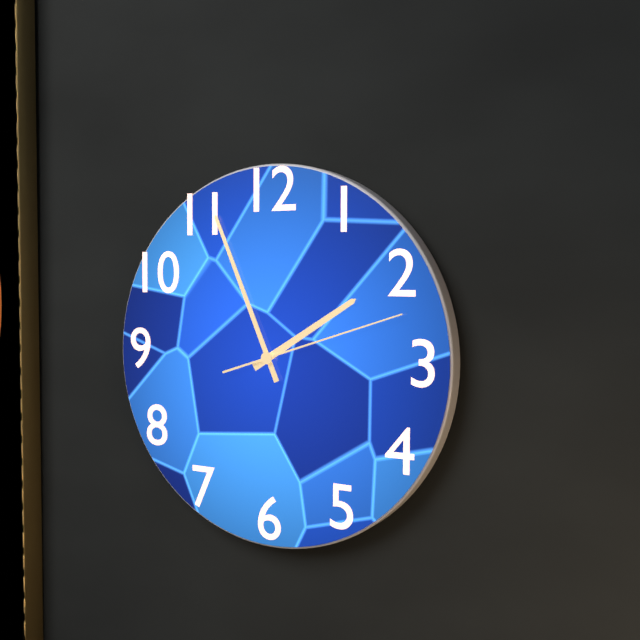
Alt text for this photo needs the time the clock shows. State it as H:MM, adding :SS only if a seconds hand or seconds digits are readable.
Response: 1:56:12
